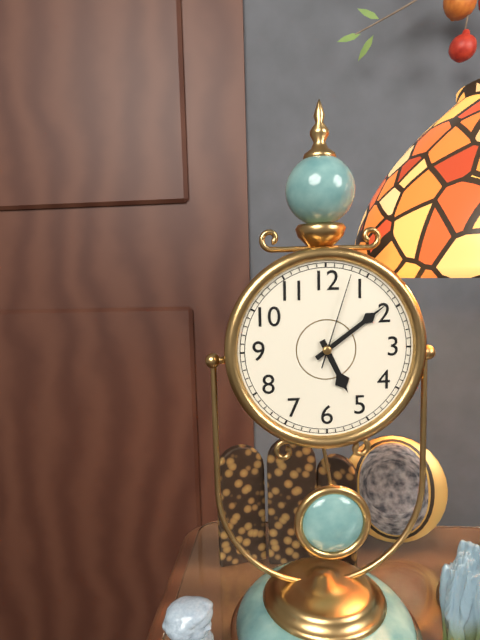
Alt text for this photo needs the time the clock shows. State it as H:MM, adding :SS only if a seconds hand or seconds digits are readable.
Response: 5:09:03
